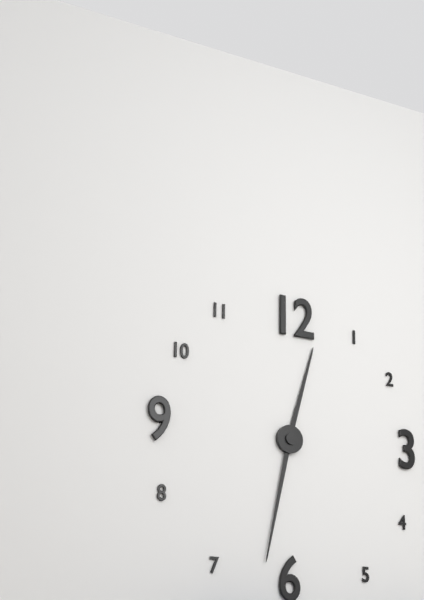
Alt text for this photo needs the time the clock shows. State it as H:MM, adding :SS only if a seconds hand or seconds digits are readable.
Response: 12:32
